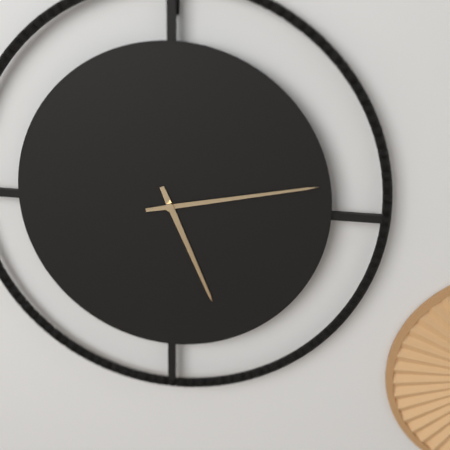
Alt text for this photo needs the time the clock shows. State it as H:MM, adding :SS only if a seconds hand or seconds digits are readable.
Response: 5:13
